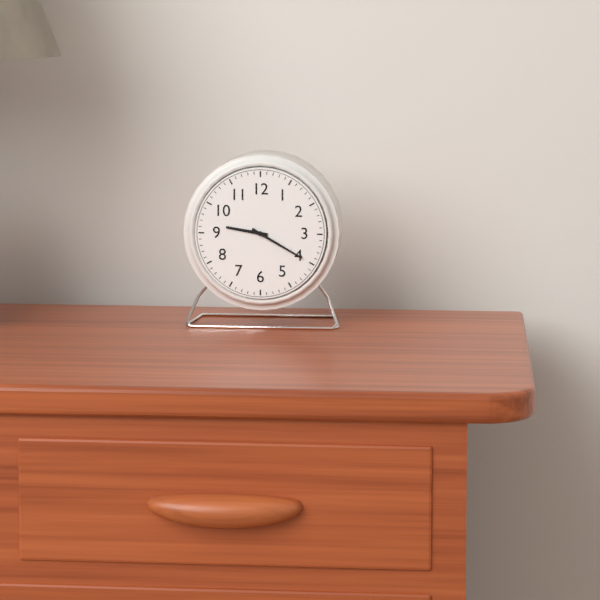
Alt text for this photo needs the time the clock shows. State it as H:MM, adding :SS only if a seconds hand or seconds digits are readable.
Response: 9:20
